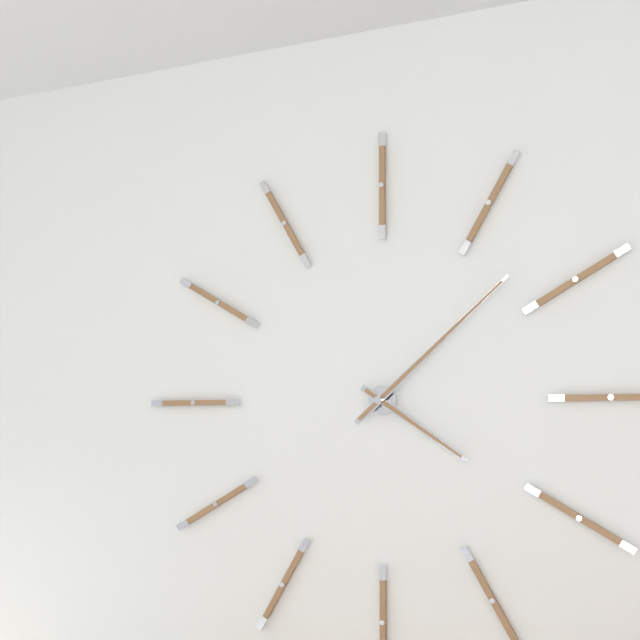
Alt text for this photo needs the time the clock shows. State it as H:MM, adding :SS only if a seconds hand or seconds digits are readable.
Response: 4:08
